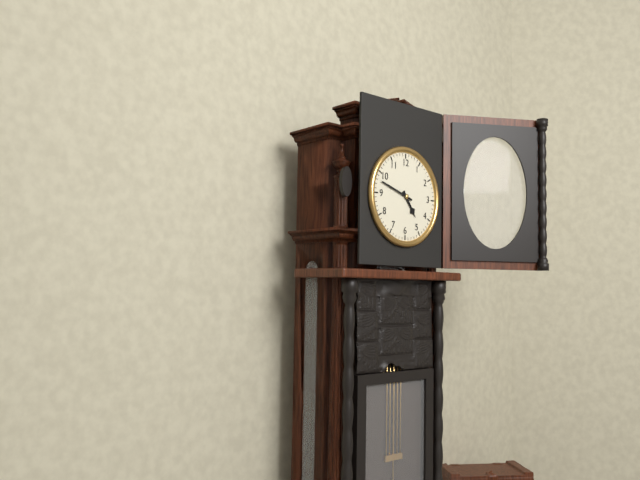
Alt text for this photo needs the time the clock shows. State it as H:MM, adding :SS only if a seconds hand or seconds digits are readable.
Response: 4:48
